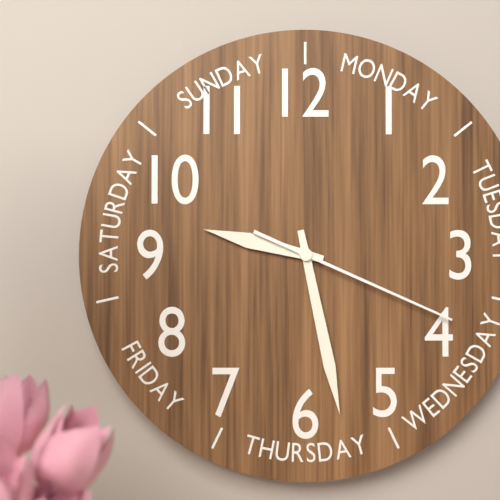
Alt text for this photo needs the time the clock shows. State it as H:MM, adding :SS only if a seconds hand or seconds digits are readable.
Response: 9:28:19
